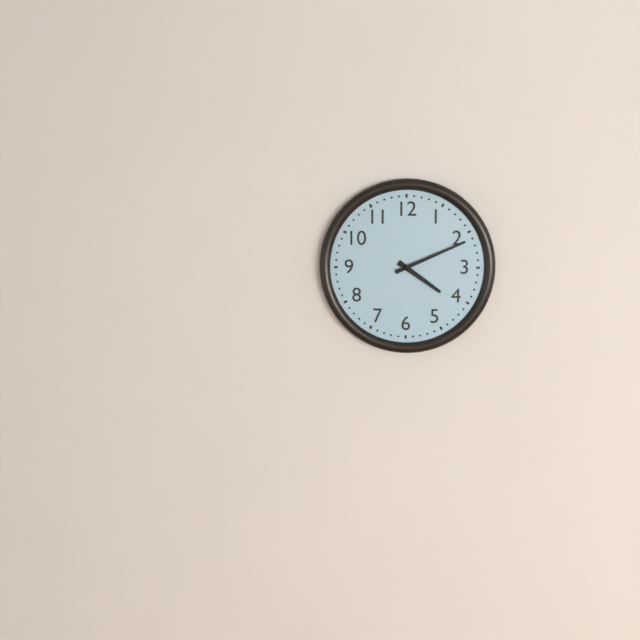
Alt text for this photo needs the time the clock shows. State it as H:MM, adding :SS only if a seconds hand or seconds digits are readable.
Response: 4:11
